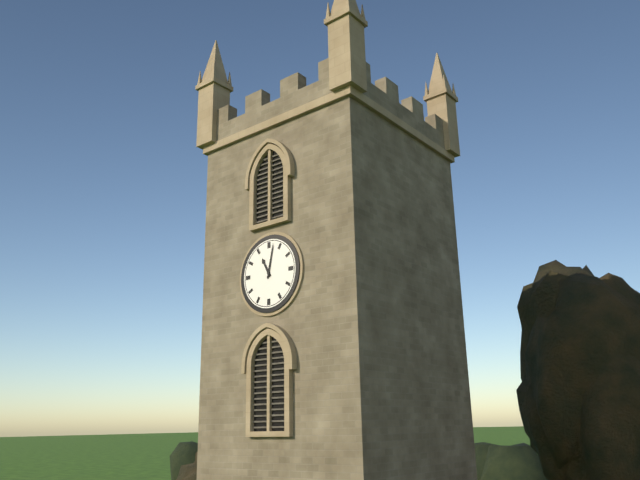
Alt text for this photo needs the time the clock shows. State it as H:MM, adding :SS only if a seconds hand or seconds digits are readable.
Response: 11:02
